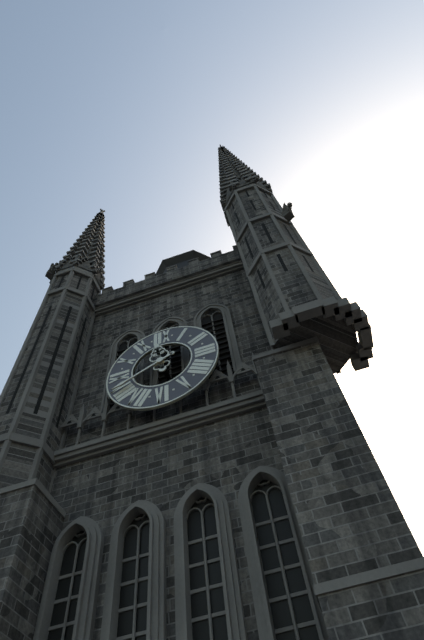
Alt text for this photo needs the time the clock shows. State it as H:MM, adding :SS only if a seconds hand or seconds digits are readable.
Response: 11:41
